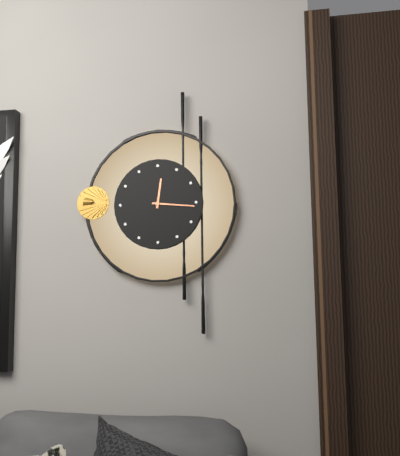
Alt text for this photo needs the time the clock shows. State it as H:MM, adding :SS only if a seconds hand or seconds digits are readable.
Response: 12:16
